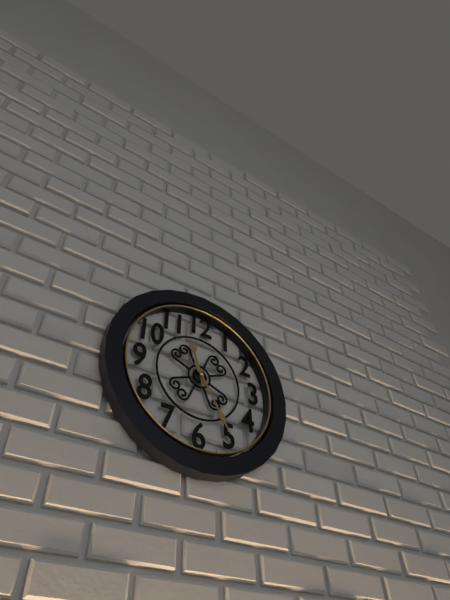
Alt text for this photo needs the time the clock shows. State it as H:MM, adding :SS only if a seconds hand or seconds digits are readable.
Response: 11:25
